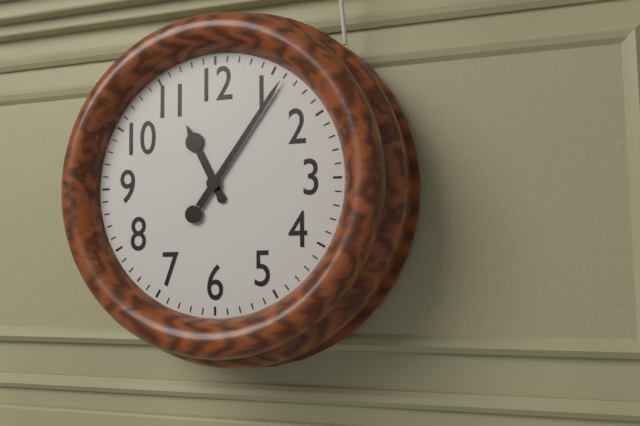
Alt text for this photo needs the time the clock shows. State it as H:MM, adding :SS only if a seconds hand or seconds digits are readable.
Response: 11:06
